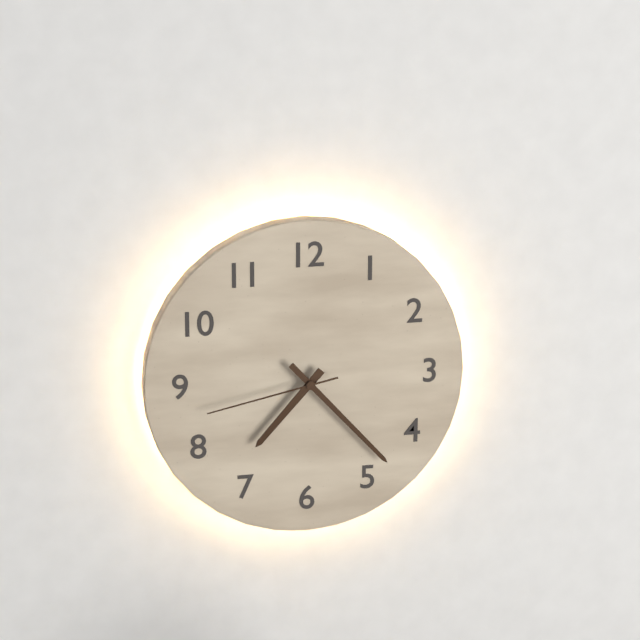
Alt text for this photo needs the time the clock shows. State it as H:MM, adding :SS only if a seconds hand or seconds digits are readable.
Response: 7:23:43
